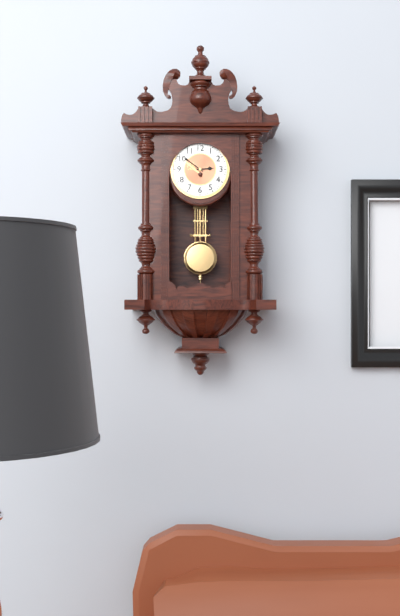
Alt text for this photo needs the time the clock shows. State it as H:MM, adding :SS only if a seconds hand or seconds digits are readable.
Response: 2:51
